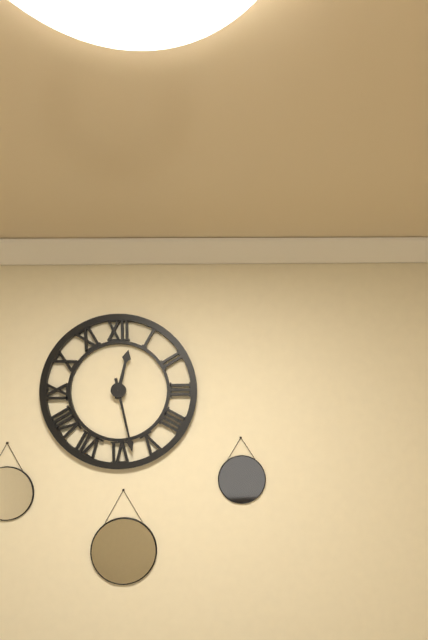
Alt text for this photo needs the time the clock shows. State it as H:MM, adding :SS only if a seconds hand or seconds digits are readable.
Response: 12:28
